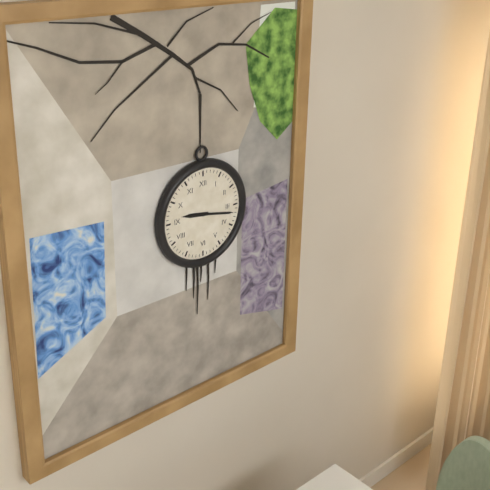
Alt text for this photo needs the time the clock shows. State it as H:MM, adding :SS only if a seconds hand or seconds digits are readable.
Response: 9:17
